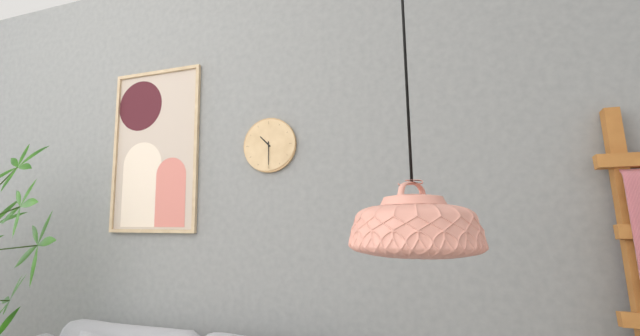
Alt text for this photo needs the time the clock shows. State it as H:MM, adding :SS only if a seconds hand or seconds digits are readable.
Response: 10:30
